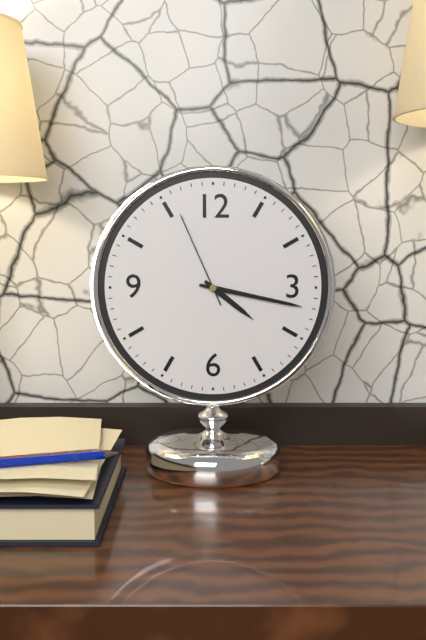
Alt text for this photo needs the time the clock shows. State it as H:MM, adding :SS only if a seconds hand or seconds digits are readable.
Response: 4:17:56
